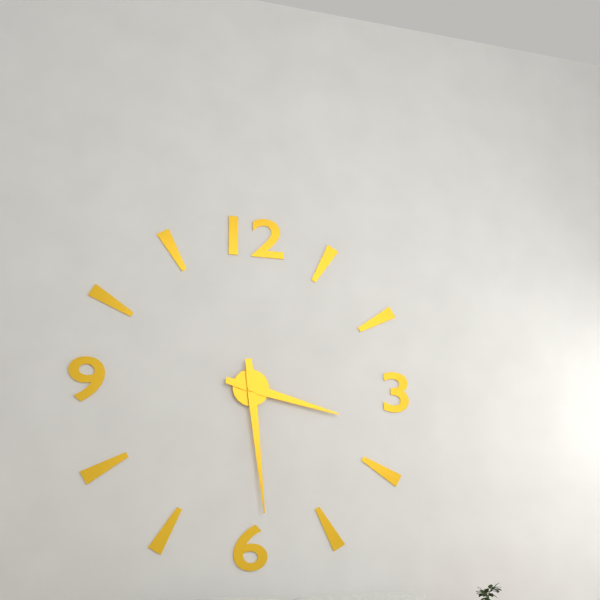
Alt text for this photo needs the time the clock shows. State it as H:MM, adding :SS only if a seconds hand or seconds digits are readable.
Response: 3:29
